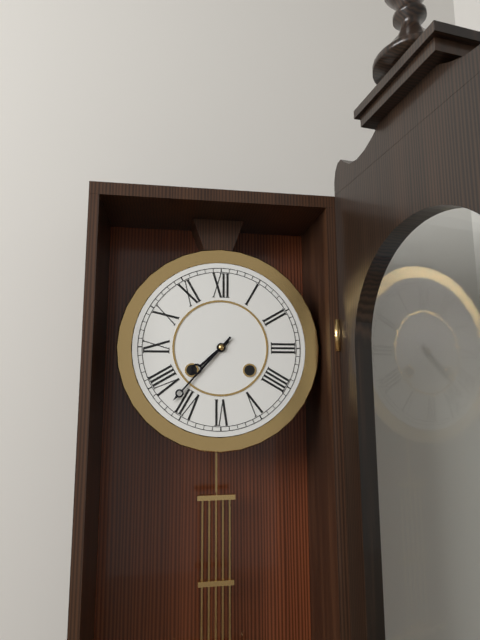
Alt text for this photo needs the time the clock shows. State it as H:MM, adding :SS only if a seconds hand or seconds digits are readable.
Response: 7:37
